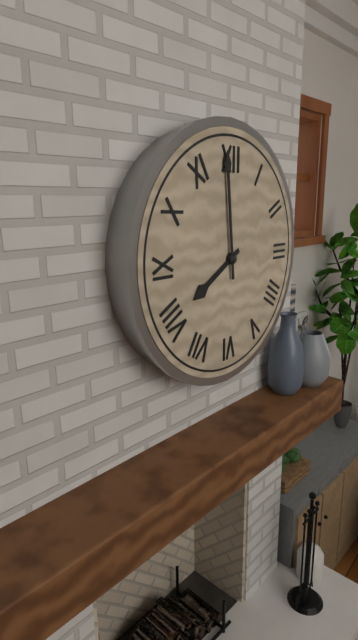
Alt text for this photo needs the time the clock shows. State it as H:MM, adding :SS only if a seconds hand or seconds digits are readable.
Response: 7:59
